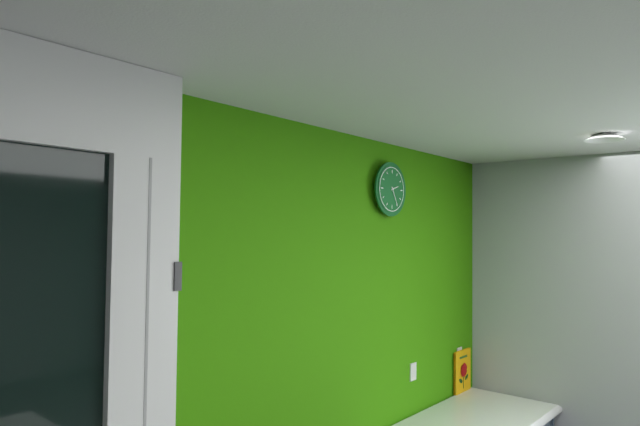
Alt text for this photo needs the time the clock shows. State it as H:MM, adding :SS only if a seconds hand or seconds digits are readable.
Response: 2:25
